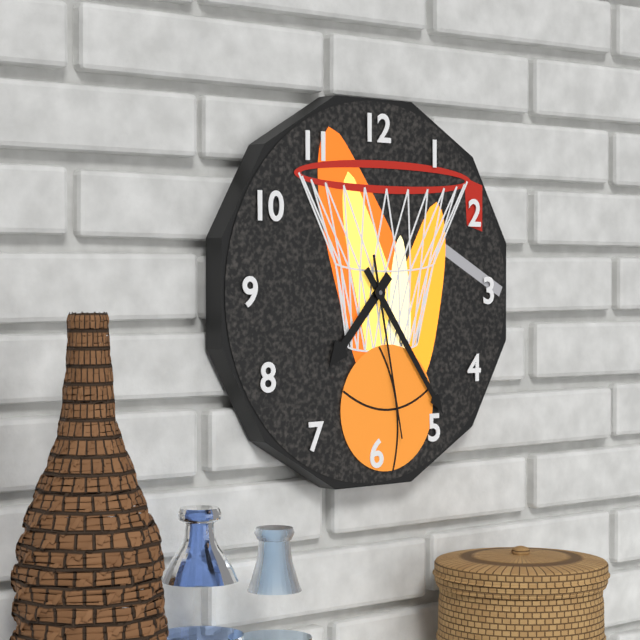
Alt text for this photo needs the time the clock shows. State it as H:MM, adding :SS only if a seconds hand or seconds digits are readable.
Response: 7:24:28
